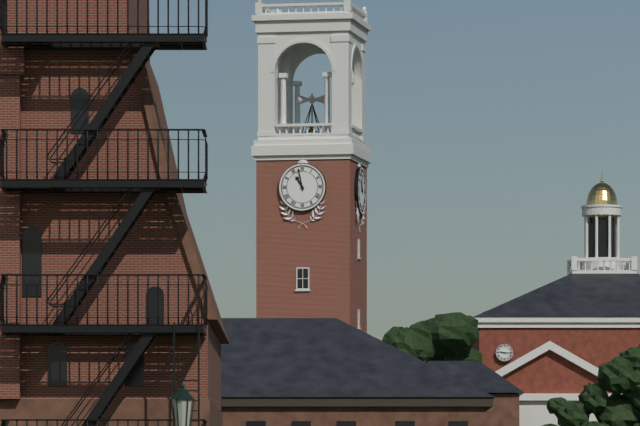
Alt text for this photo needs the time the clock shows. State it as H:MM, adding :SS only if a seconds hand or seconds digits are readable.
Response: 10:58
